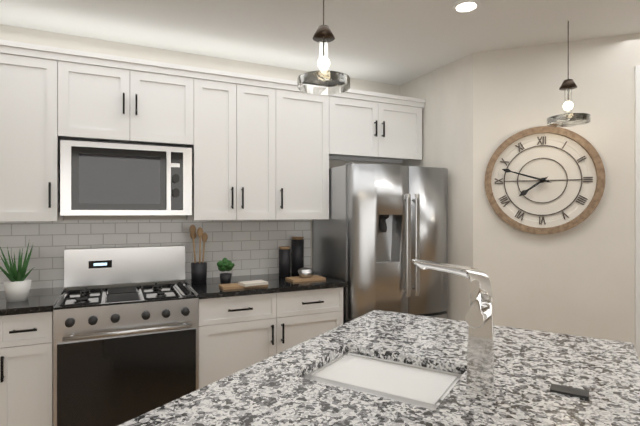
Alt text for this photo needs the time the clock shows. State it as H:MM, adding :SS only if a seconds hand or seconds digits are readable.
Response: 7:48
